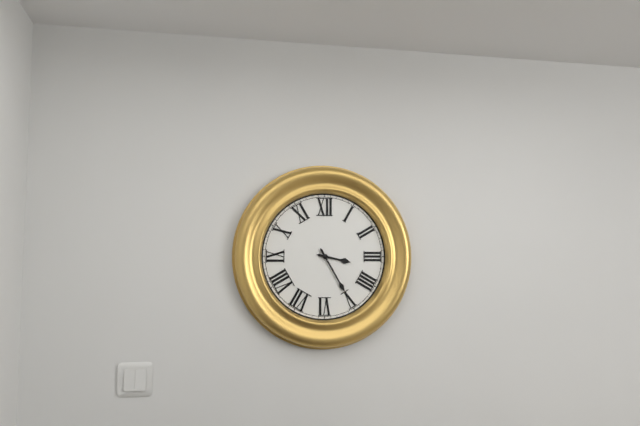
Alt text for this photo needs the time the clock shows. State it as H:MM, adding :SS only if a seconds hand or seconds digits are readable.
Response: 3:25
